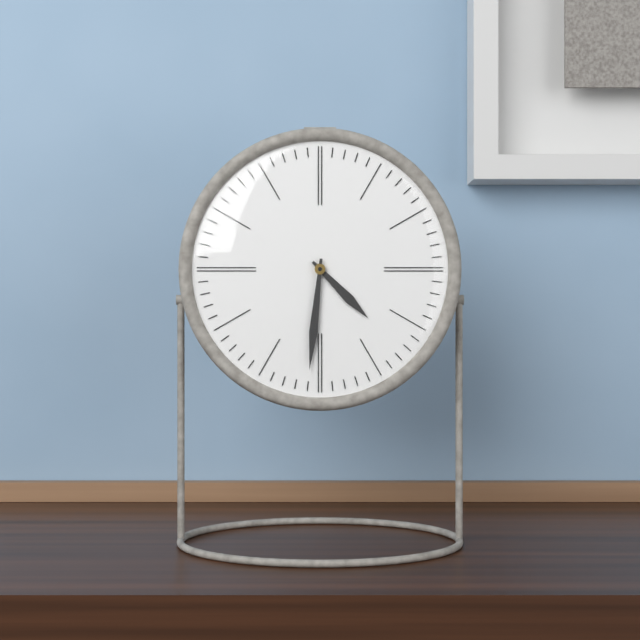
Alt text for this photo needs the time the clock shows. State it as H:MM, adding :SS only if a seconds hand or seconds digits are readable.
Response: 4:31
